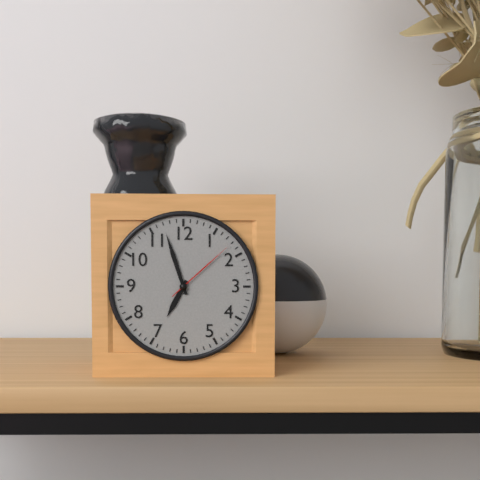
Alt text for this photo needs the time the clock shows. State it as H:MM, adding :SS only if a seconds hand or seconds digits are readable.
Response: 6:57:08
